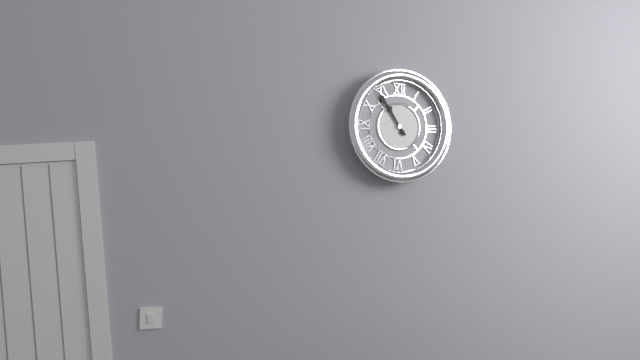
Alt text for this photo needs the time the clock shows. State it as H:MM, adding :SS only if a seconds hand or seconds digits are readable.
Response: 10:54
